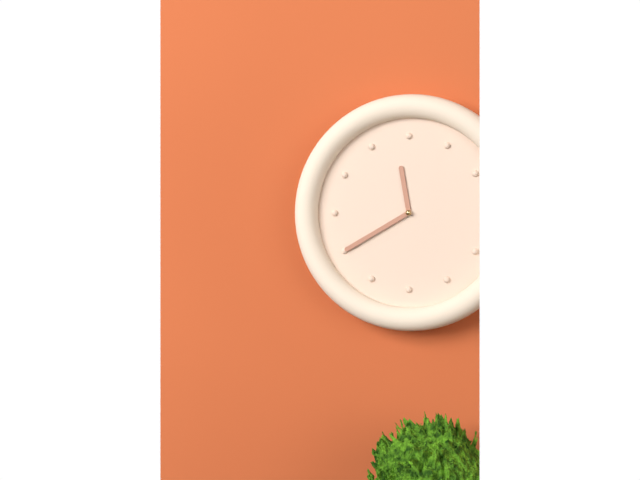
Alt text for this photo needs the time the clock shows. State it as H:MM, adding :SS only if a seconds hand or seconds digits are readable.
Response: 11:40
